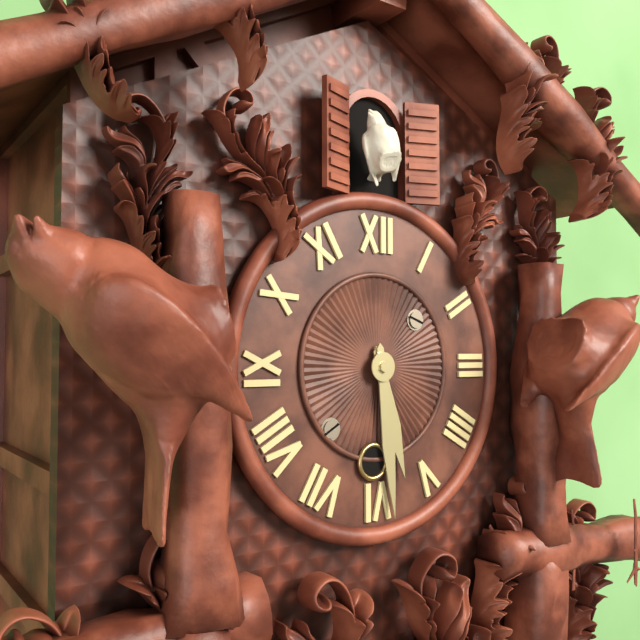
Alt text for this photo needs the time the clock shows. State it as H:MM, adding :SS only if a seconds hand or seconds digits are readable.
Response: 5:29
